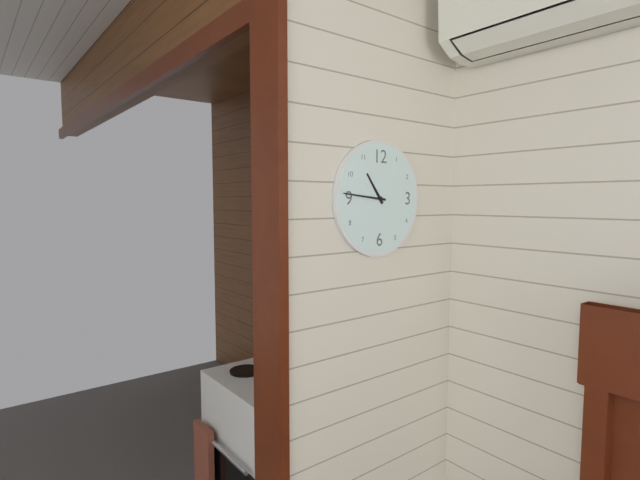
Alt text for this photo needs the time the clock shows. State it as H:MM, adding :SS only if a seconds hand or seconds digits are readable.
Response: 10:46
